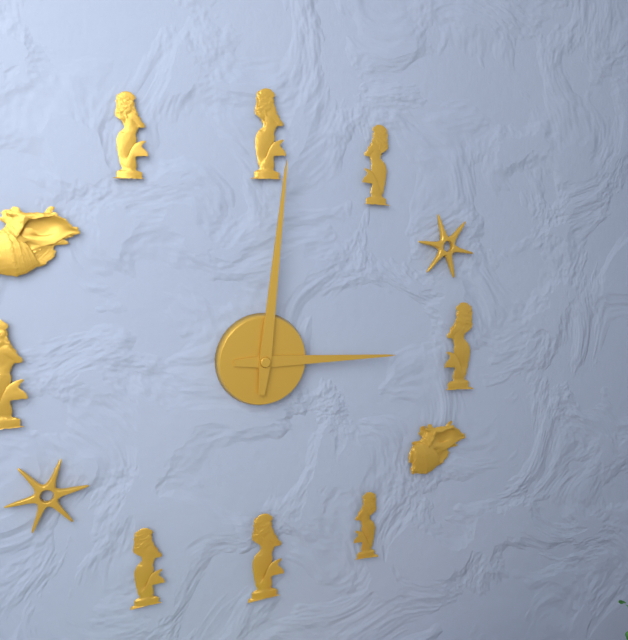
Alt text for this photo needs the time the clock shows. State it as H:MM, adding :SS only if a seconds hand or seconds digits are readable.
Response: 3:01
